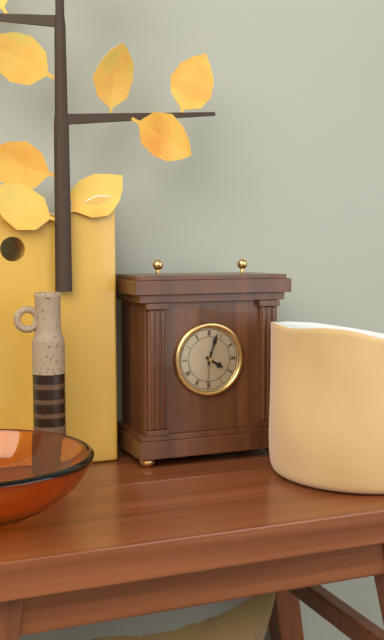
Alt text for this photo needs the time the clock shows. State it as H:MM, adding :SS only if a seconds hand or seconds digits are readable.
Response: 4:03
